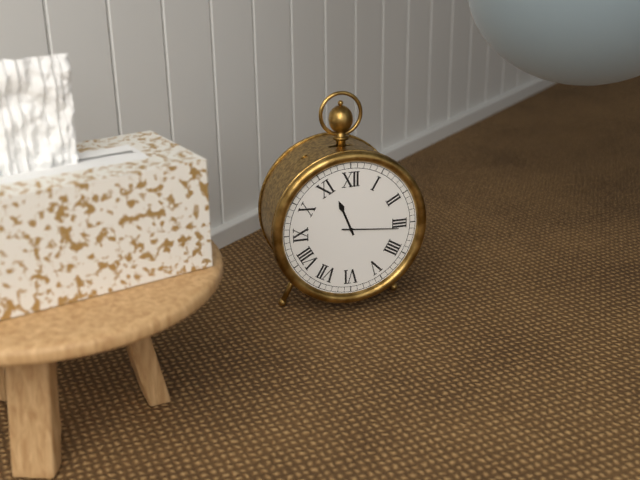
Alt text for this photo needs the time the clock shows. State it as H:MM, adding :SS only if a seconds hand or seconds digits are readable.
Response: 11:16
